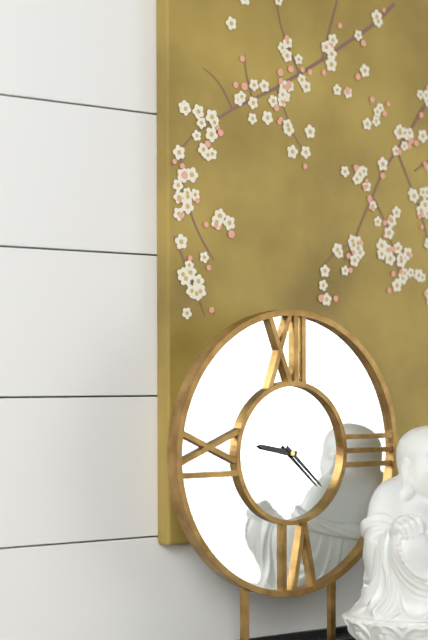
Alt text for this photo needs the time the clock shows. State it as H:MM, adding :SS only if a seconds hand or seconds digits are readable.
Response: 9:22
